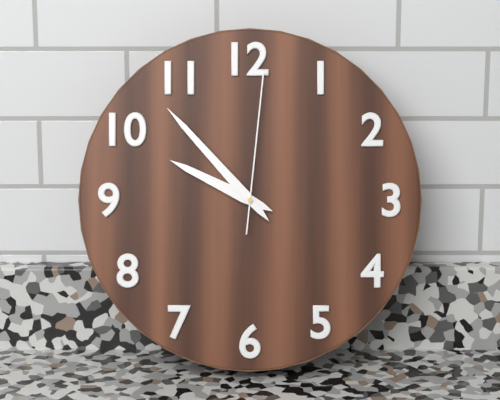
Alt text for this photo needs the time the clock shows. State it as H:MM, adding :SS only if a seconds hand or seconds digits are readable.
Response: 9:53:01
